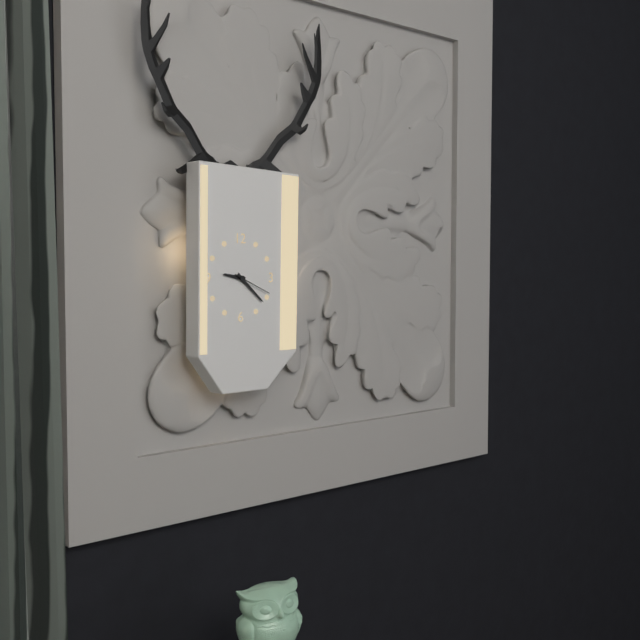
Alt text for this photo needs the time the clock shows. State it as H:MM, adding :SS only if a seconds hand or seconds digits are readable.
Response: 9:22
